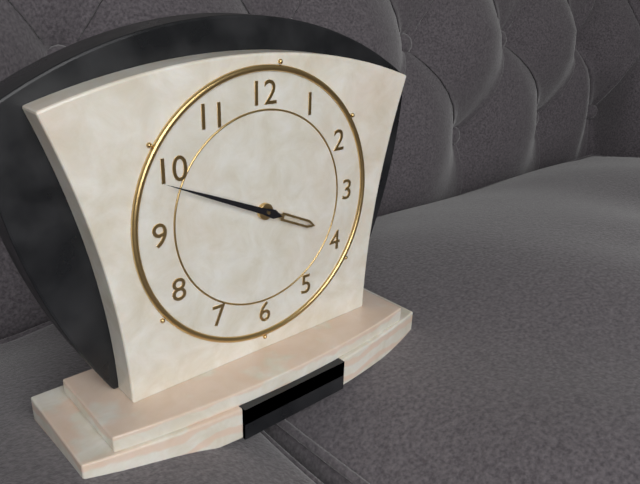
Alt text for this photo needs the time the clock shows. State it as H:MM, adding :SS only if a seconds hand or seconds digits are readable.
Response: 3:49
